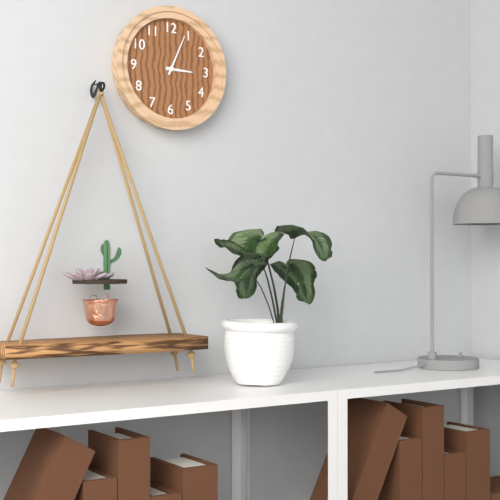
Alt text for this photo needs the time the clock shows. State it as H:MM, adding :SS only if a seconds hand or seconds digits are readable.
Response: 3:04
